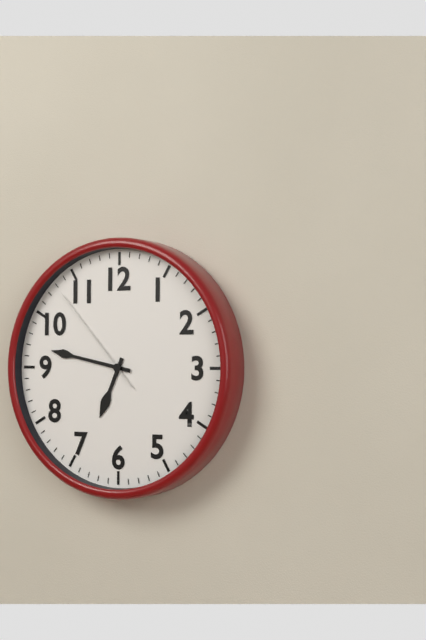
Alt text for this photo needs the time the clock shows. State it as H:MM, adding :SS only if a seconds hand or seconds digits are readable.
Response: 6:47:53
